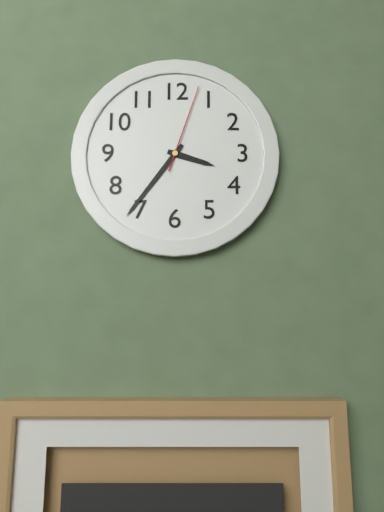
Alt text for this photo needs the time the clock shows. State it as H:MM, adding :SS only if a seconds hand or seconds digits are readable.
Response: 3:36:03
